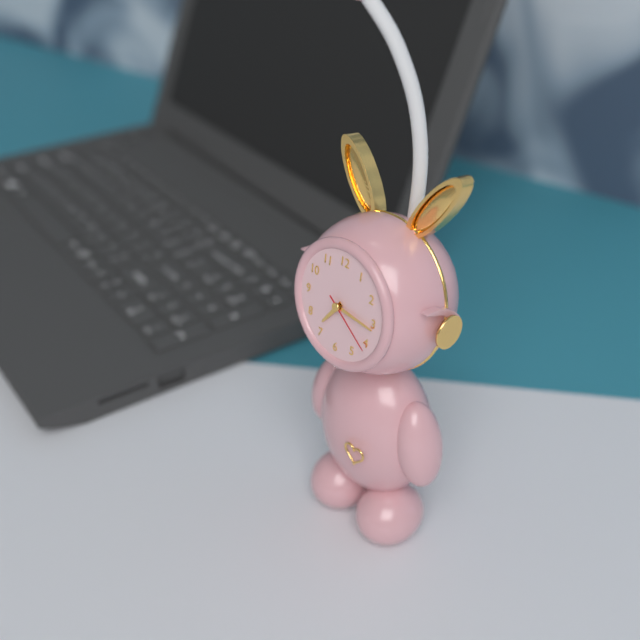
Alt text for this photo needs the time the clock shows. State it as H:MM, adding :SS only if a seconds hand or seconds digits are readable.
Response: 7:16:21
